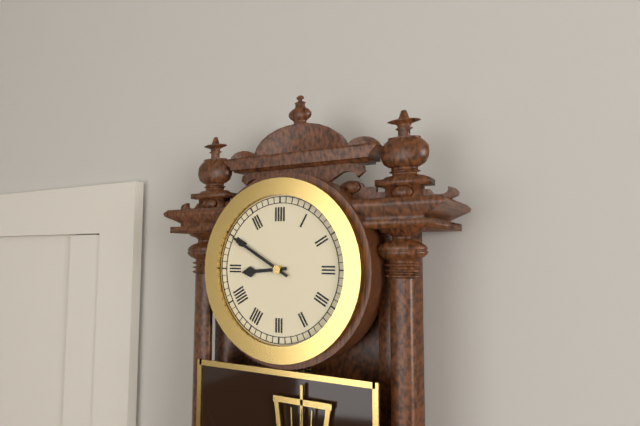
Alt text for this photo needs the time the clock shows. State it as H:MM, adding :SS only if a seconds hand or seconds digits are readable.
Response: 8:50
